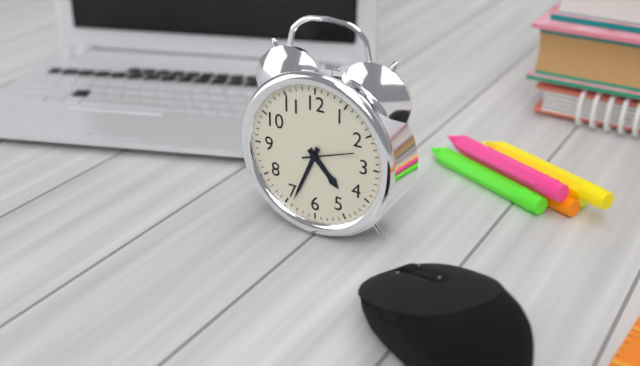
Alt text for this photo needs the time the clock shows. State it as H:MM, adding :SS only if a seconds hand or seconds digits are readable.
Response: 4:34
